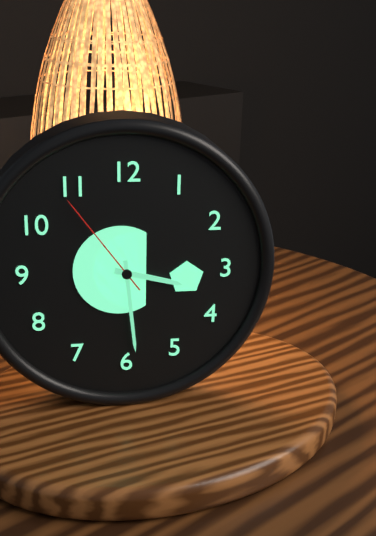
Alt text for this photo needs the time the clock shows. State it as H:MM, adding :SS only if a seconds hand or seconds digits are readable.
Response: 3:29:54
